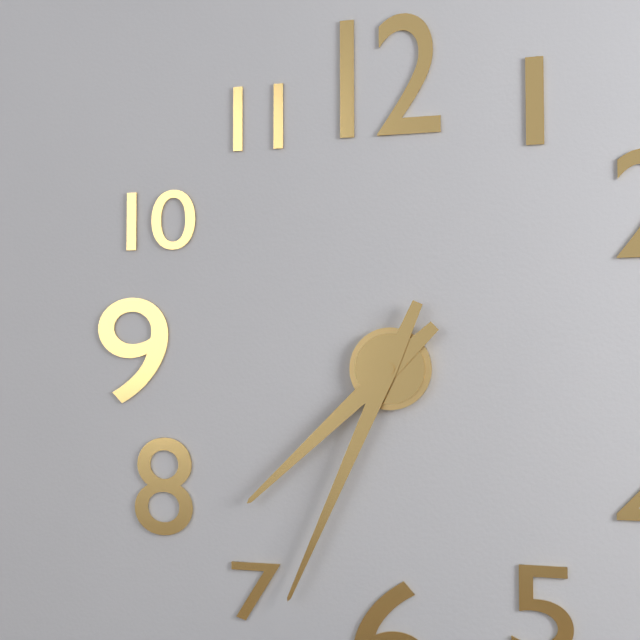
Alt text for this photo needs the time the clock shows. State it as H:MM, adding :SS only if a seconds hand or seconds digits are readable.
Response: 7:34
